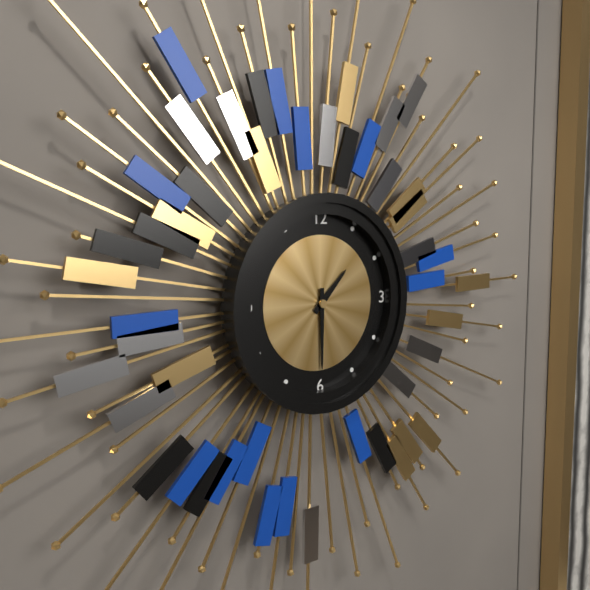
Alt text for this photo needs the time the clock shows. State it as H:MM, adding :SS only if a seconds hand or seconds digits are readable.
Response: 1:30
